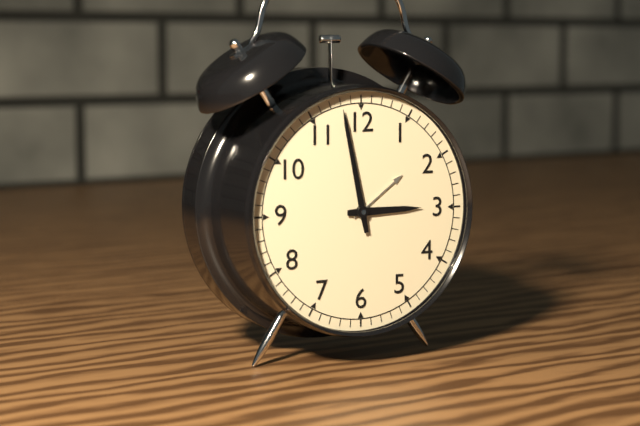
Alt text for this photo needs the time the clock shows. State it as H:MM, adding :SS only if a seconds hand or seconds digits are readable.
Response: 2:58
